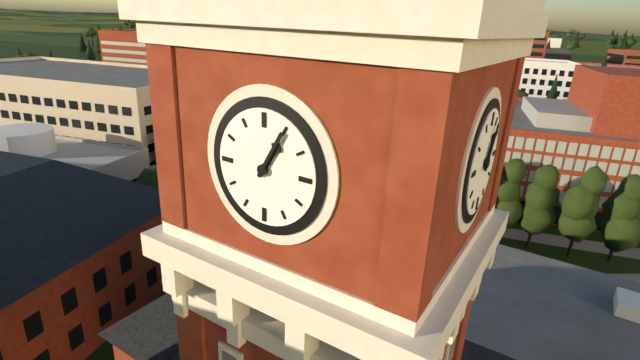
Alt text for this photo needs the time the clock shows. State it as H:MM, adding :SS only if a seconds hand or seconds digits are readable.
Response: 1:05
